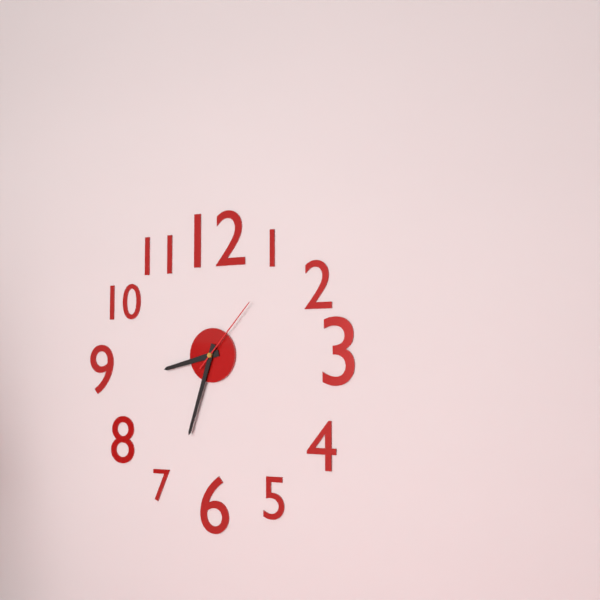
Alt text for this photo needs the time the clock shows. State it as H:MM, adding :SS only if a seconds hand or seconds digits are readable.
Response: 8:33:07
